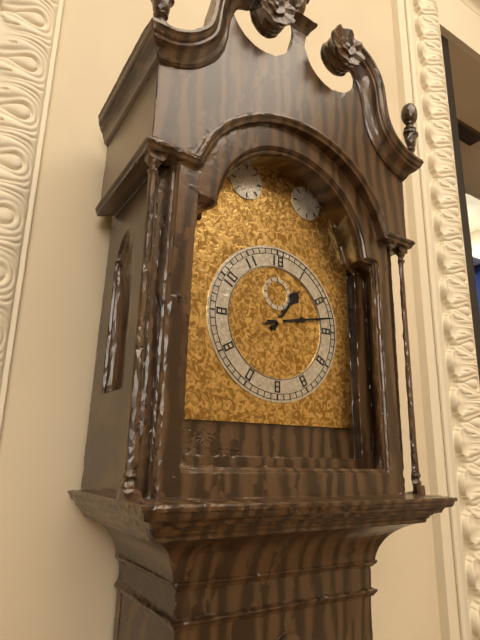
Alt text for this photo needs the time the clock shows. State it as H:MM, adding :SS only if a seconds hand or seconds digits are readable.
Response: 1:13
